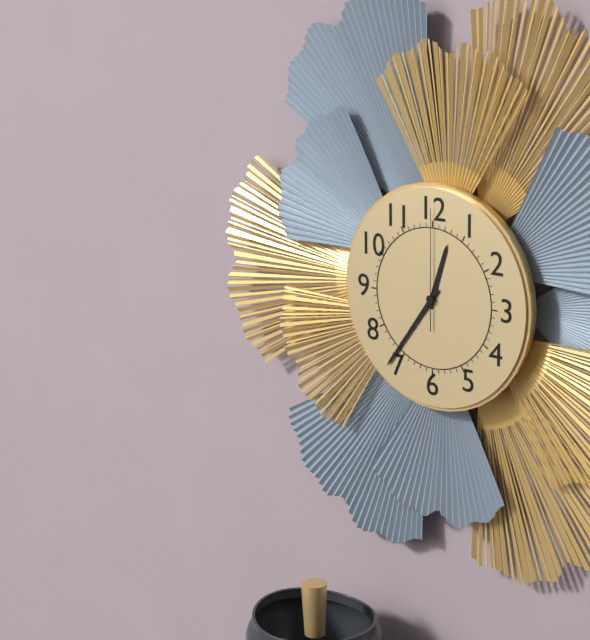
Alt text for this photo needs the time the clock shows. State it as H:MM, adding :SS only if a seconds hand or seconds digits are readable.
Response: 12:36:00
